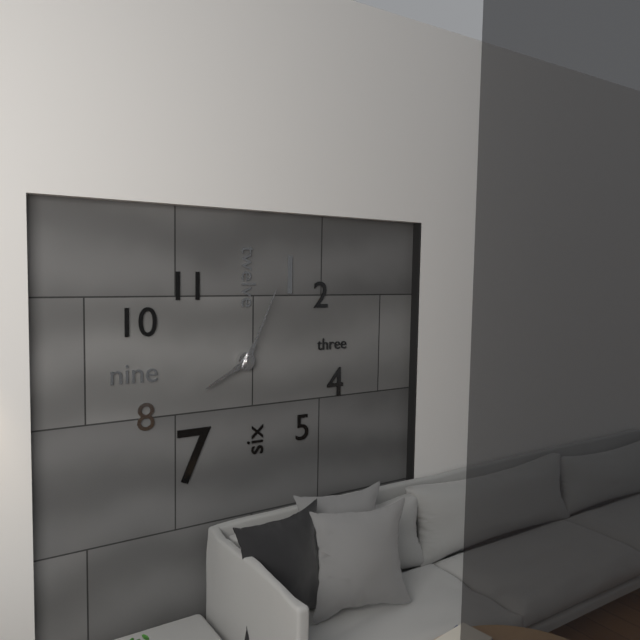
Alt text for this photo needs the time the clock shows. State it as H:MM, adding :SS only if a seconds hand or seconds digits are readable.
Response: 8:04
